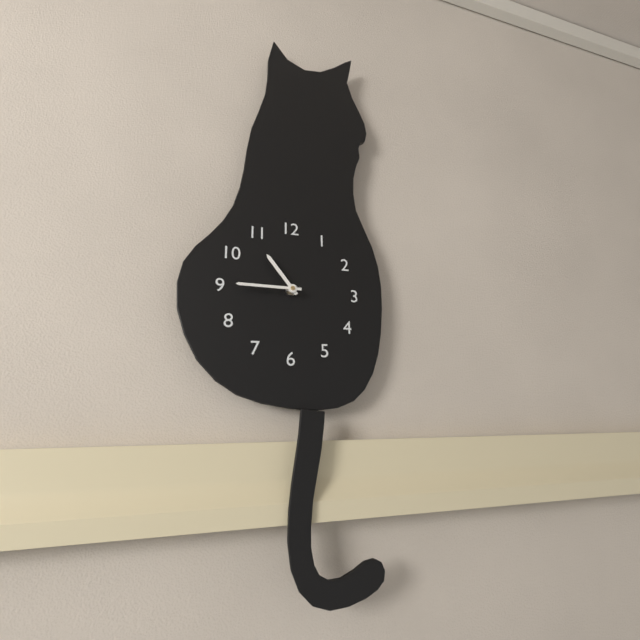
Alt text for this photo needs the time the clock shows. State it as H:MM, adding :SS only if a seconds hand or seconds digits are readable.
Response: 10:45
